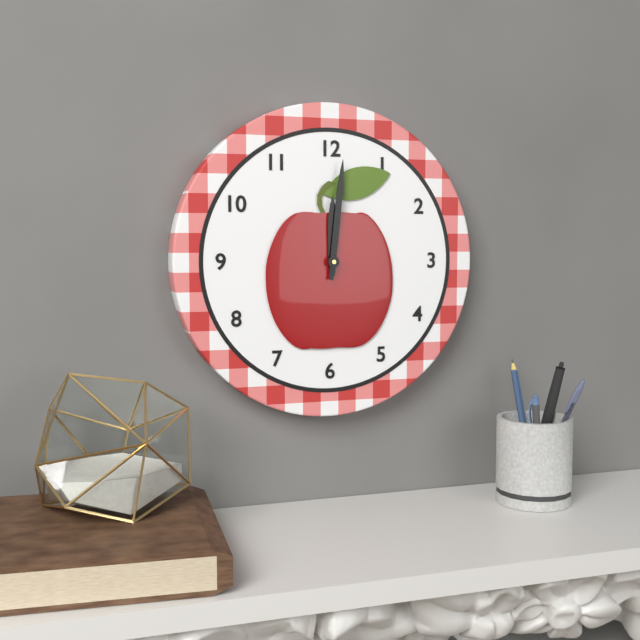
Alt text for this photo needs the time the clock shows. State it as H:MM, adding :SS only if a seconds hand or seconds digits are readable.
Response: 12:01
